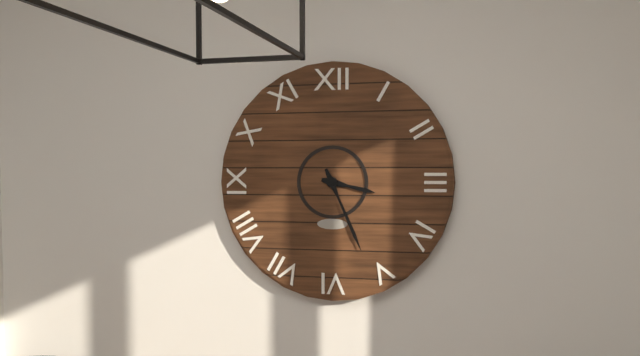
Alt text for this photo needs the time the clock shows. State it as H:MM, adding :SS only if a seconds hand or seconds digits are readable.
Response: 3:26
